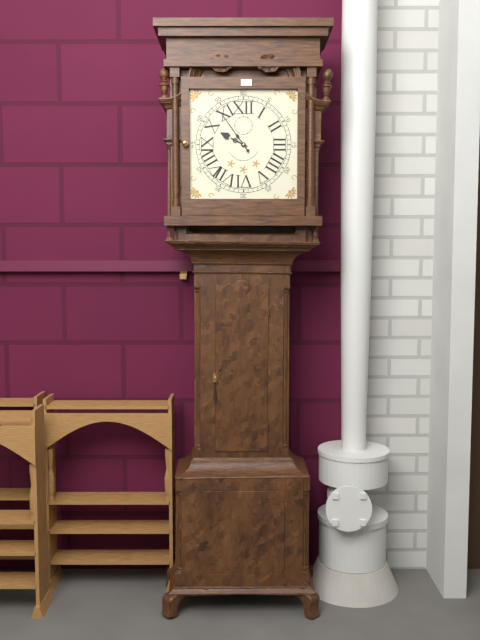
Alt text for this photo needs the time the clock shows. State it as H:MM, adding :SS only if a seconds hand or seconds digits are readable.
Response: 9:54
